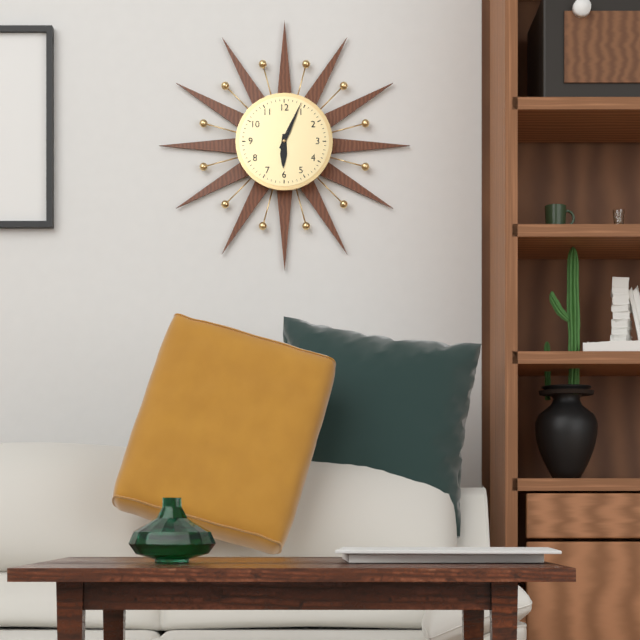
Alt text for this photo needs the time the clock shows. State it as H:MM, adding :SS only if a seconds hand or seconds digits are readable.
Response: 6:04
